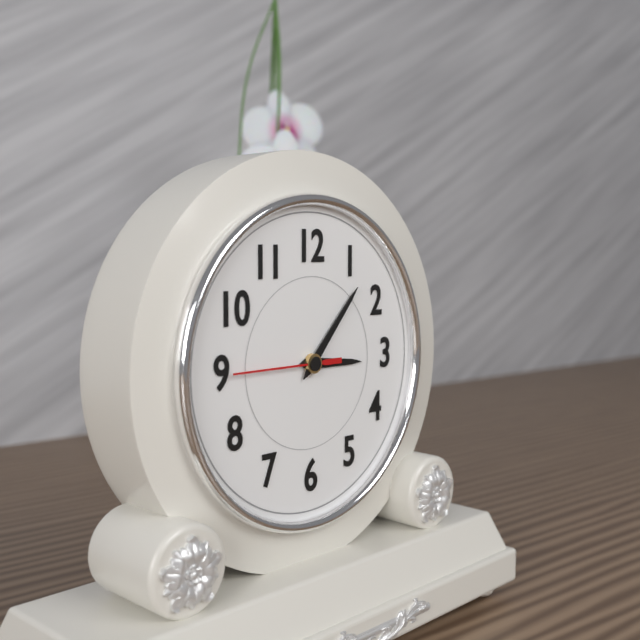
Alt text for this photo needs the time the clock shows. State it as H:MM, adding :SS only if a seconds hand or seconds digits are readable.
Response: 3:07:45
